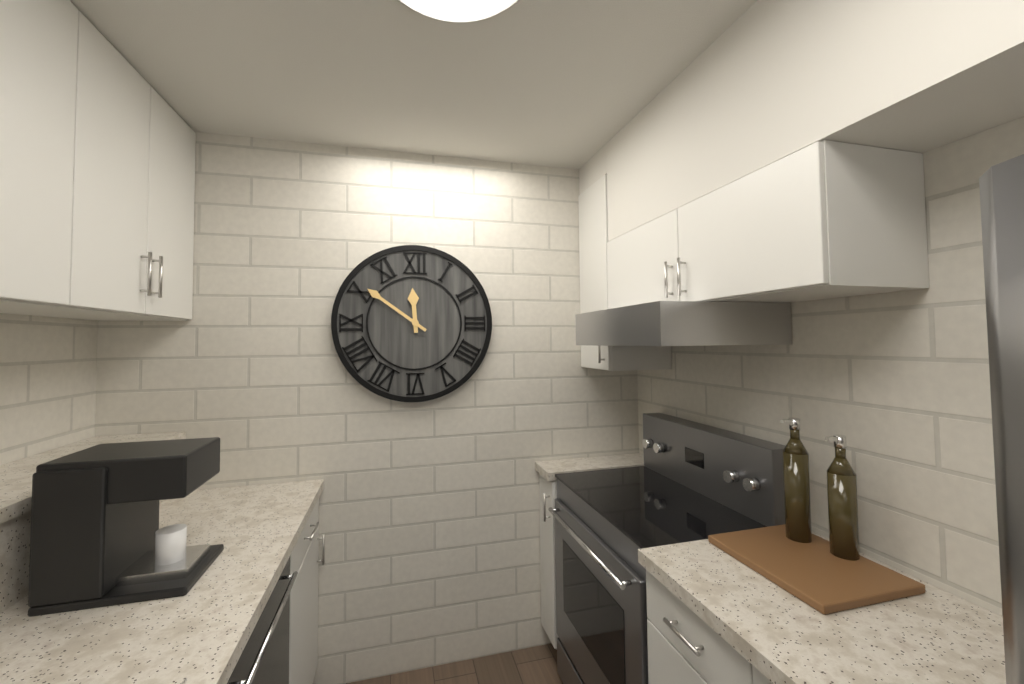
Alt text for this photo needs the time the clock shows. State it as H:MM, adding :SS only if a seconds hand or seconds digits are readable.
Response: 11:51
